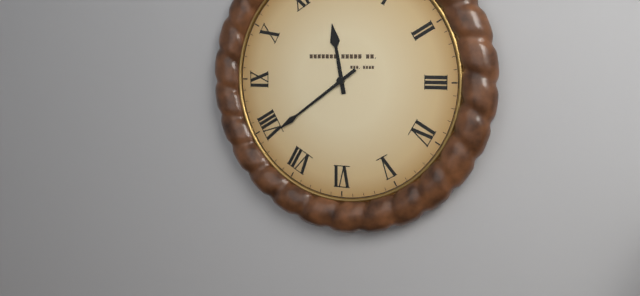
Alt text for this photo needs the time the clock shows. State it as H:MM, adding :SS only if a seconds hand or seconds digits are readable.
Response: 11:39
